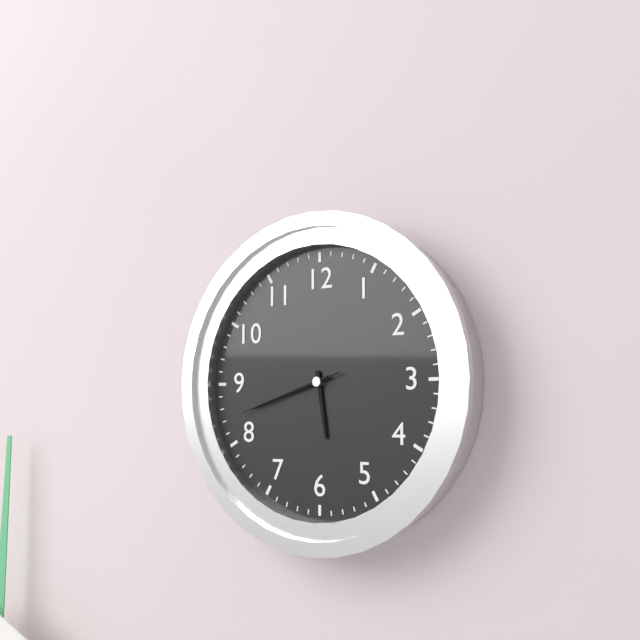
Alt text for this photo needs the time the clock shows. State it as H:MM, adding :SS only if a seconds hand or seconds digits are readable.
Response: 5:42:42
